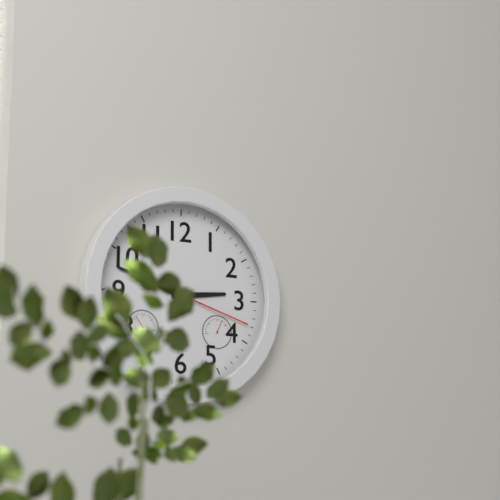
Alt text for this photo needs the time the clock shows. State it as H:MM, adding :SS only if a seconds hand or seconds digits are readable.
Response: 2:48:18
